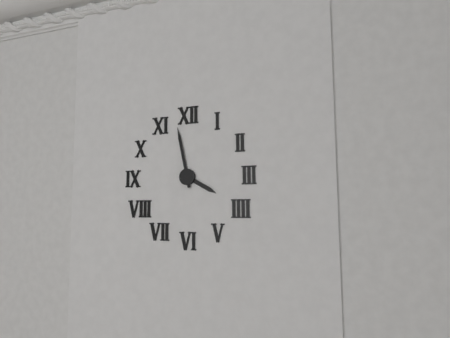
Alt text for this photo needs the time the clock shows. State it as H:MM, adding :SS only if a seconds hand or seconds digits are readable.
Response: 3:58
